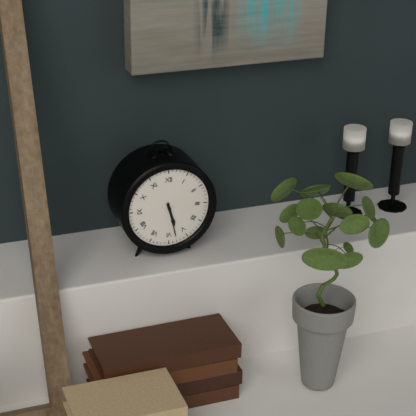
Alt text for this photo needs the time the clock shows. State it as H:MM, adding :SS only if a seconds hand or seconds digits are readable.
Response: 5:28
